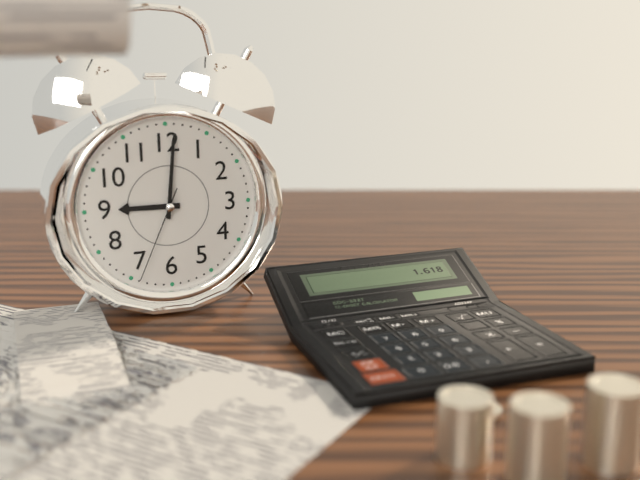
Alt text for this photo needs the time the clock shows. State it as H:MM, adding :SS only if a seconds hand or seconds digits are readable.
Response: 9:01:34
